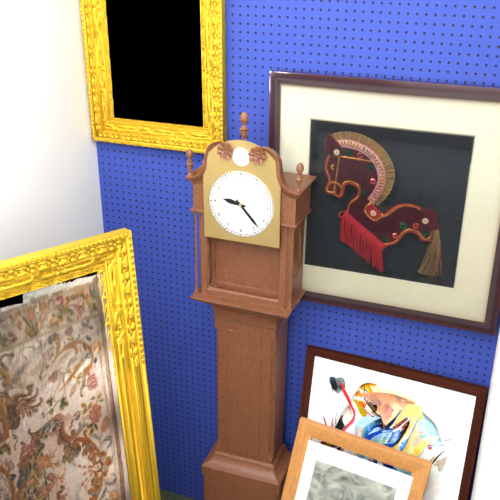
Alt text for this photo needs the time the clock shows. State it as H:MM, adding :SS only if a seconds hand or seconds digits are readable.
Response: 9:23
